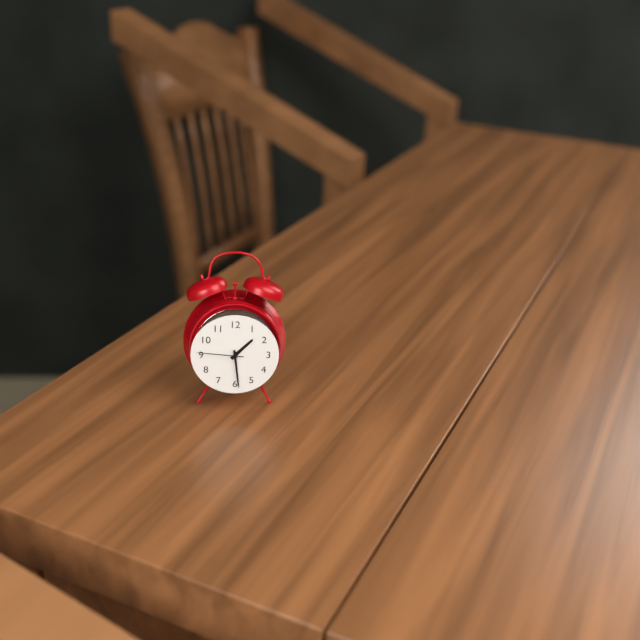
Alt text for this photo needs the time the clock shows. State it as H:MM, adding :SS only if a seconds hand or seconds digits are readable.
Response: 1:29
